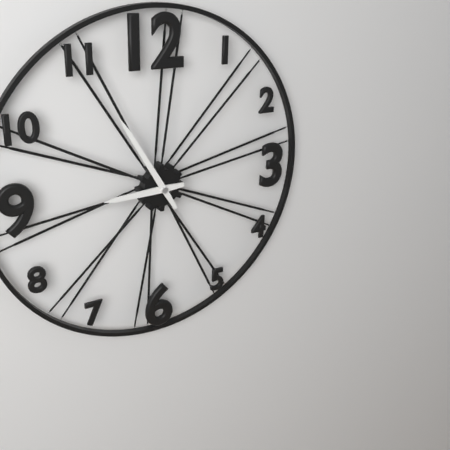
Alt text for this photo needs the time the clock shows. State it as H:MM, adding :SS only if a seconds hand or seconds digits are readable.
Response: 8:55
